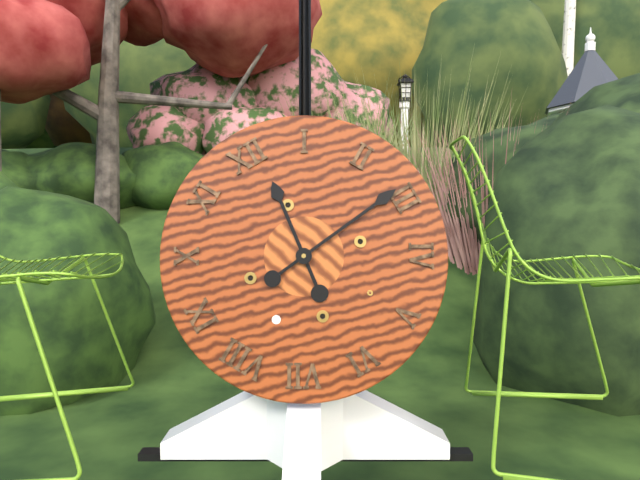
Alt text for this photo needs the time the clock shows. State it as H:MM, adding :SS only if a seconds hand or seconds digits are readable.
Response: 12:14
